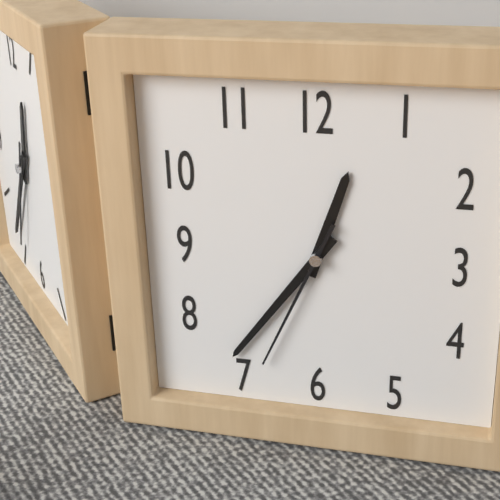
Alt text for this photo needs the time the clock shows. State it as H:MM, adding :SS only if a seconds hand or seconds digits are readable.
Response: 12:36:34
